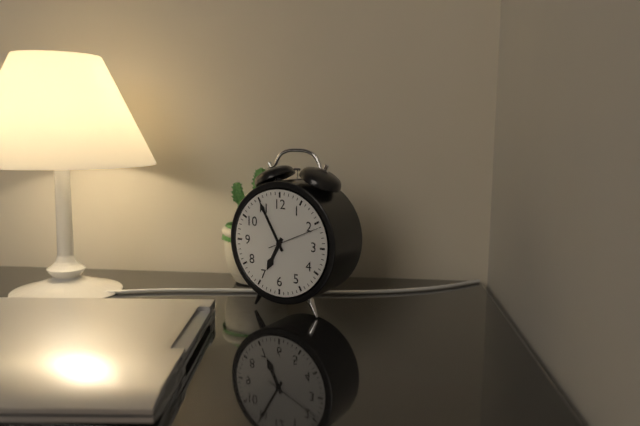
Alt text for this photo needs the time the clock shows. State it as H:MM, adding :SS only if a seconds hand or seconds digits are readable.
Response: 6:55:11
